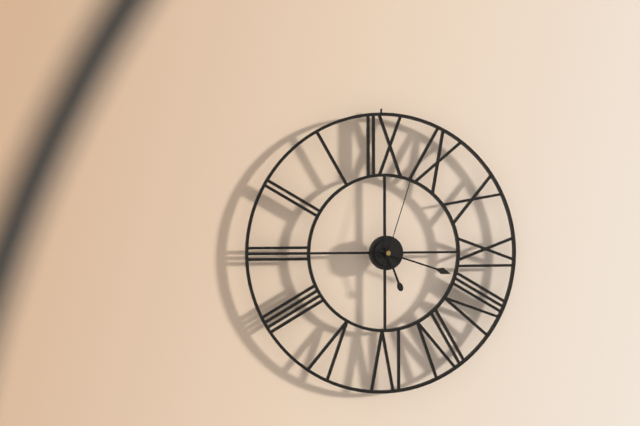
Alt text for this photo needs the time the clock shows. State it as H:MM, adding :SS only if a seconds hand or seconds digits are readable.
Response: 5:18:03
